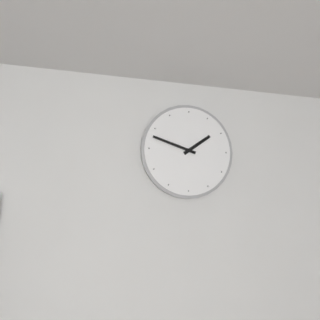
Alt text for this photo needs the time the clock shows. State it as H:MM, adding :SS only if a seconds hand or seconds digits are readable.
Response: 1:48
